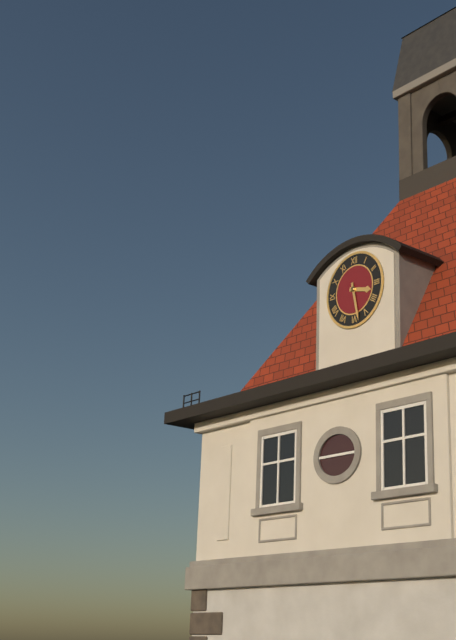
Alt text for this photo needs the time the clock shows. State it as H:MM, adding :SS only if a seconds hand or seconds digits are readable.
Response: 3:28
